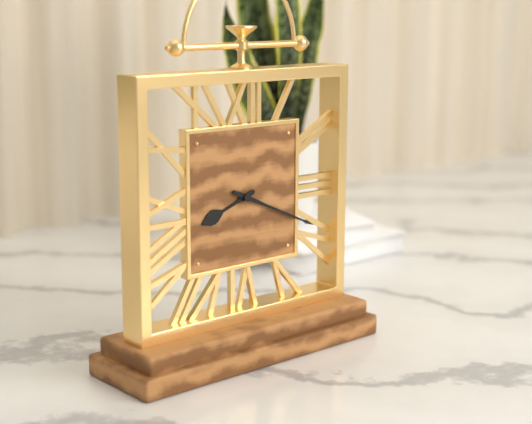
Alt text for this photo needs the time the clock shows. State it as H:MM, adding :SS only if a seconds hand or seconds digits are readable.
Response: 8:19
